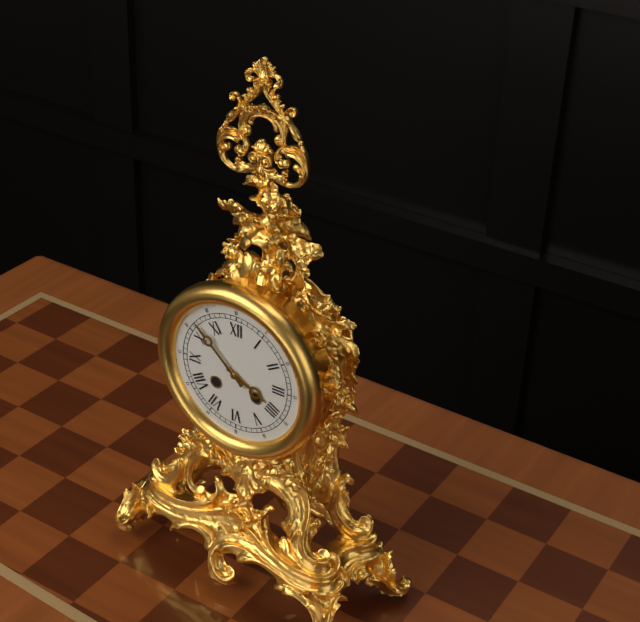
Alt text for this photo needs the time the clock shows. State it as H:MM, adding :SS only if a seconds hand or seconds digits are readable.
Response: 3:52
